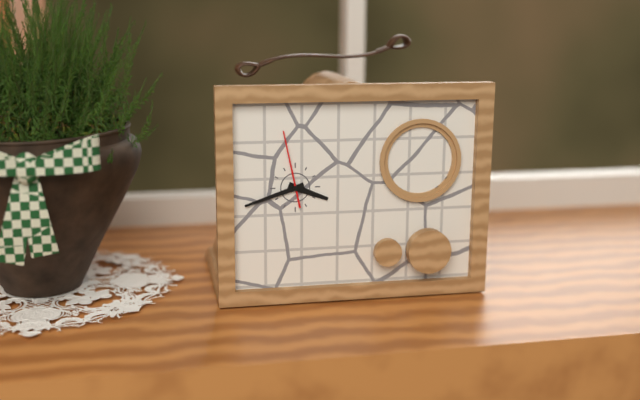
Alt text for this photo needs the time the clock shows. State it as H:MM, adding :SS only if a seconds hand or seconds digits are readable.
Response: 3:42:58
